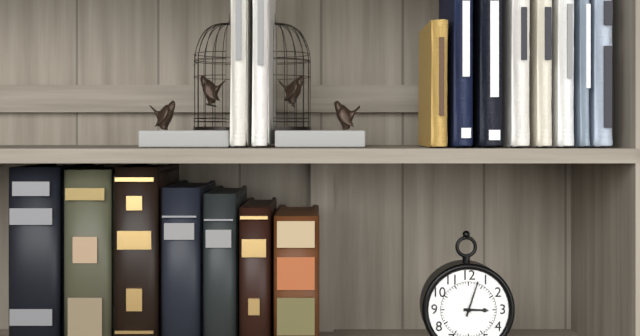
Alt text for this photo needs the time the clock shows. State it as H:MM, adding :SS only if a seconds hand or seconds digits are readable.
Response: 3:03
